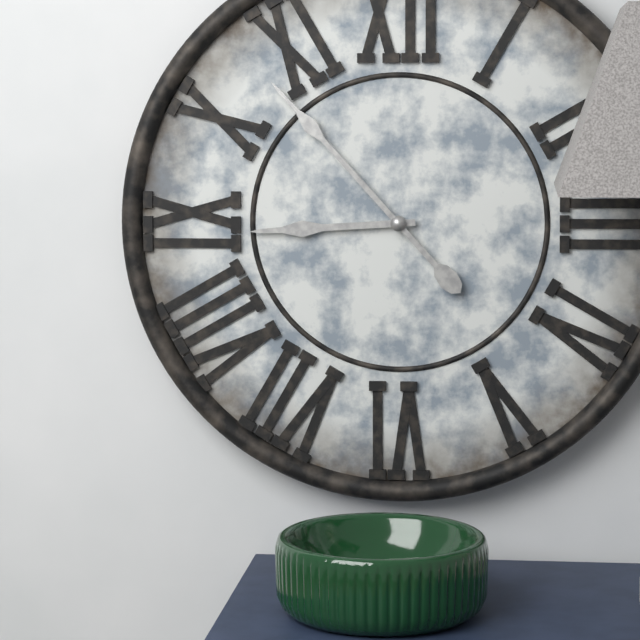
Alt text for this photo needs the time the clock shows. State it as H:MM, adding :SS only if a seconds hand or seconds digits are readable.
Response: 8:53
